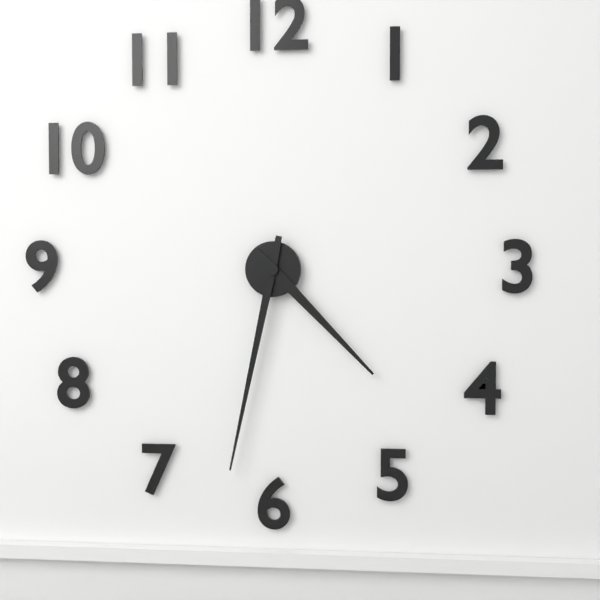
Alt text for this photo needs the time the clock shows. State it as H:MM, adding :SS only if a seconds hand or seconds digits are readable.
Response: 4:32
